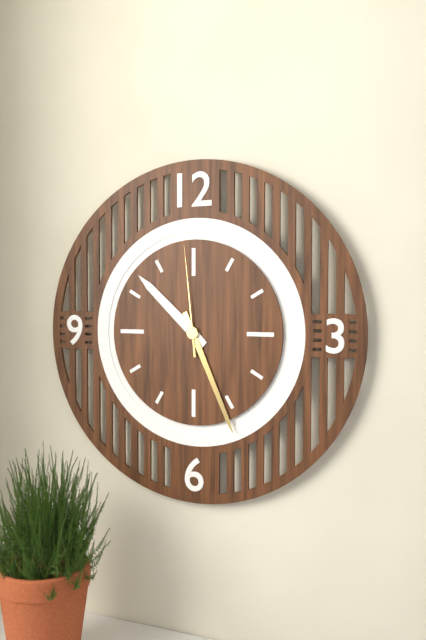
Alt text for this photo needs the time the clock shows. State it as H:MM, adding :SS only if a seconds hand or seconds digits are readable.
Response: 10:26:59
